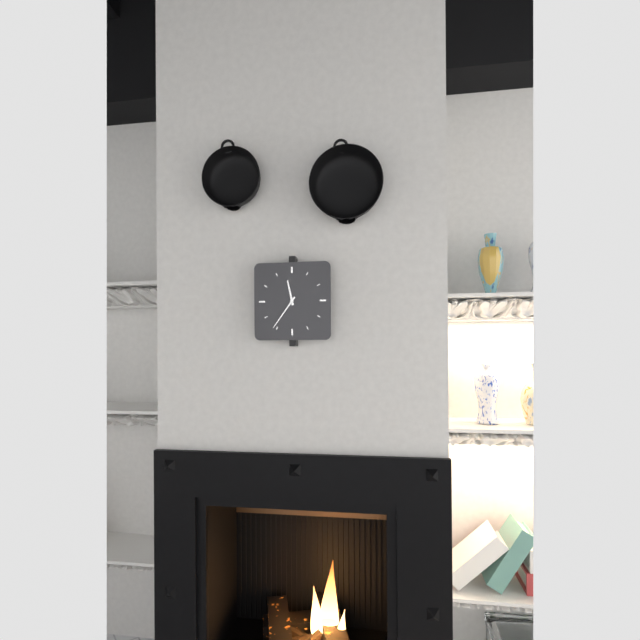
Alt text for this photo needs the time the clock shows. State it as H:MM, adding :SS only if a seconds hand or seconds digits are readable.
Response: 11:36
